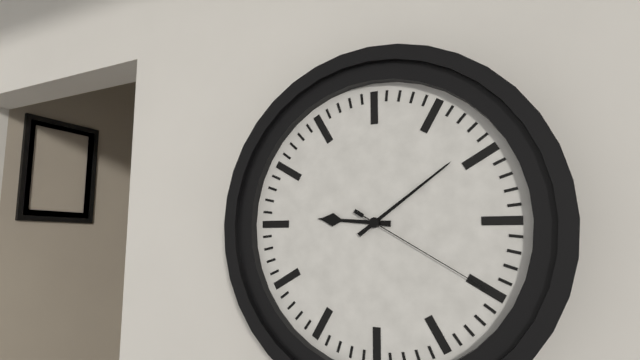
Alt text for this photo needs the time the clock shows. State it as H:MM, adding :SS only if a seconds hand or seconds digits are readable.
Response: 9:09:20
